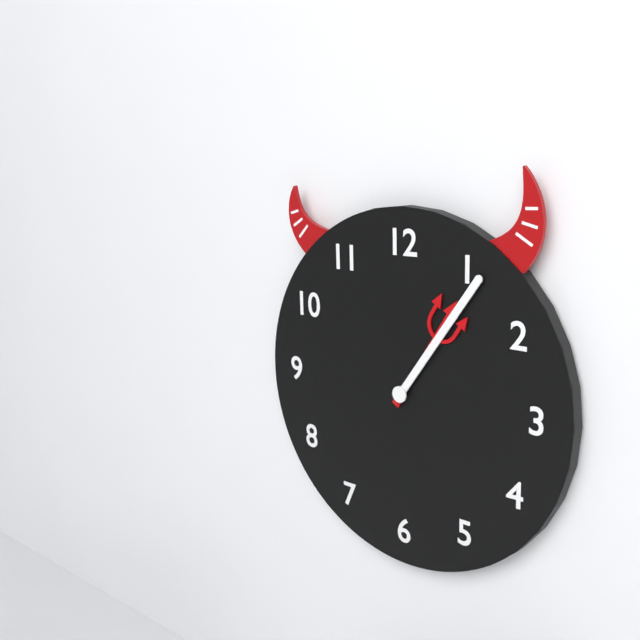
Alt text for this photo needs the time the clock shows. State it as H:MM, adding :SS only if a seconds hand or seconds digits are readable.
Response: 1:06
